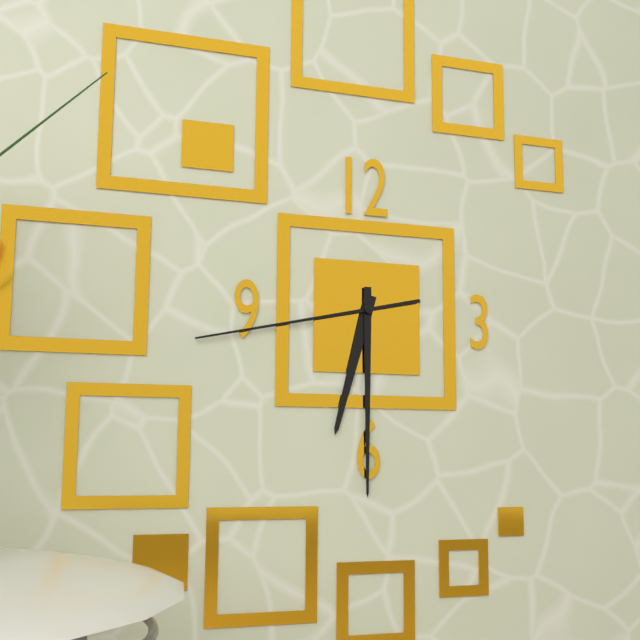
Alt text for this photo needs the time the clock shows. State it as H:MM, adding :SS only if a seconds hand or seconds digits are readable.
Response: 6:30:43
